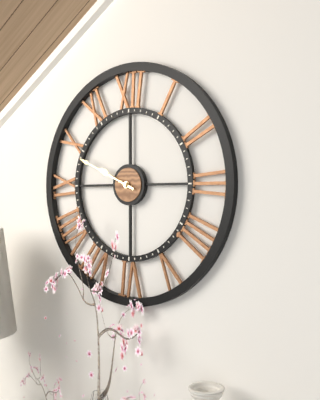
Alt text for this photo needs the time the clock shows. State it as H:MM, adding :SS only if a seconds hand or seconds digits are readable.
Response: 9:49
